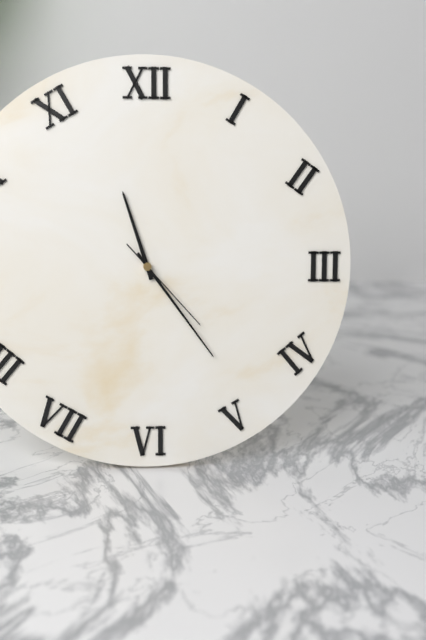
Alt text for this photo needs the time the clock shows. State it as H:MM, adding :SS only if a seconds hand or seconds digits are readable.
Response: 11:24:23
